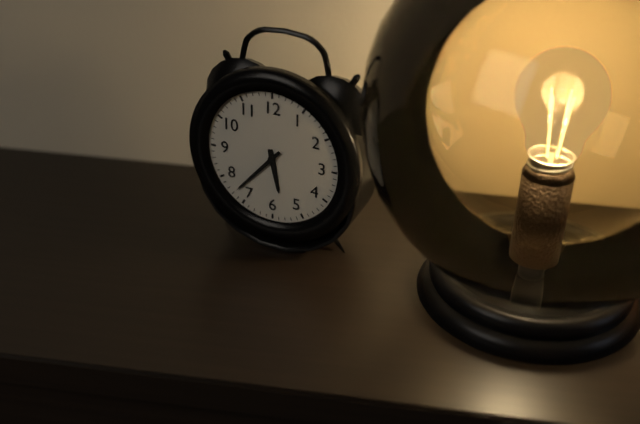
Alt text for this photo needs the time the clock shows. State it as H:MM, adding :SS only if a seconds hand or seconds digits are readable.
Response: 5:37
